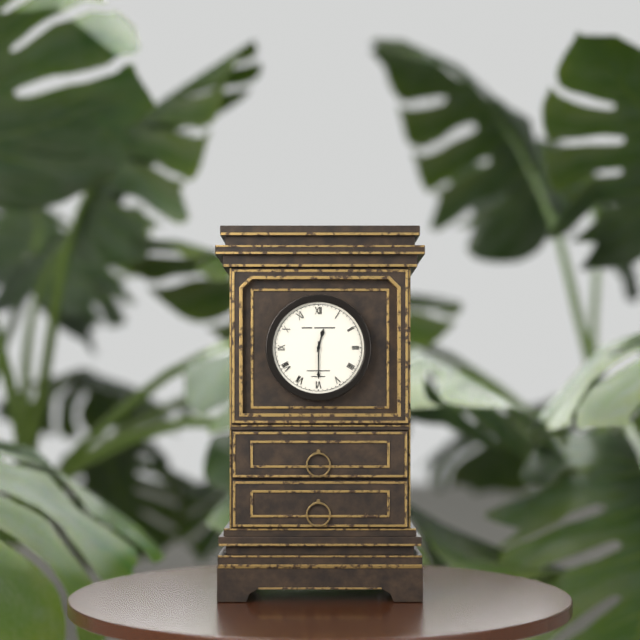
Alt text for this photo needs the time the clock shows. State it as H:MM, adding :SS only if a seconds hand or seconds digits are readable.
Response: 12:30
